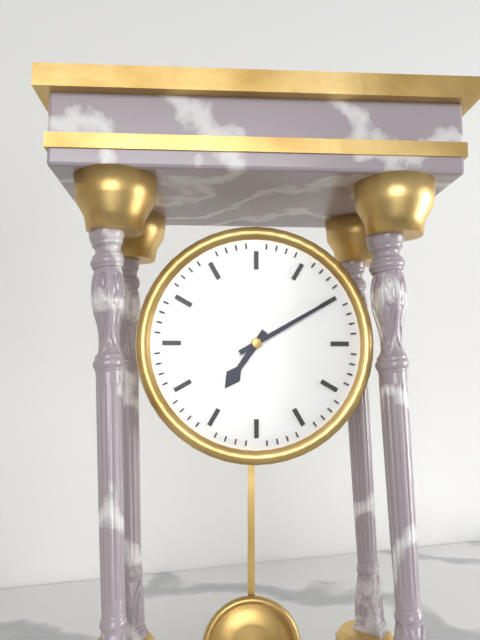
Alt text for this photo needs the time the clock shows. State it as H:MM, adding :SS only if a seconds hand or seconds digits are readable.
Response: 7:10
